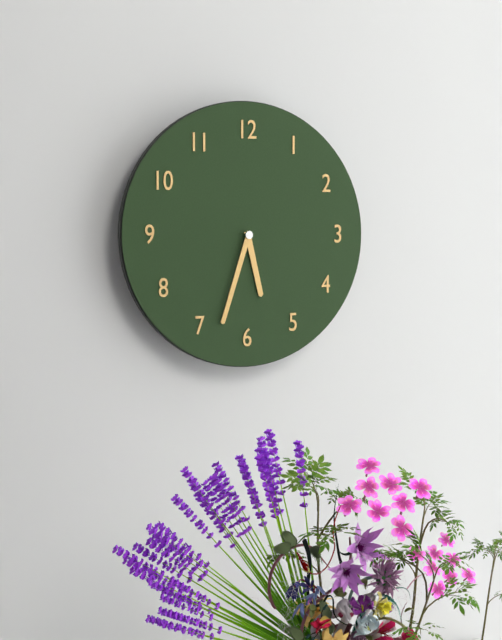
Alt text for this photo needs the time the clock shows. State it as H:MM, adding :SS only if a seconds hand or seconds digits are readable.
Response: 5:33
